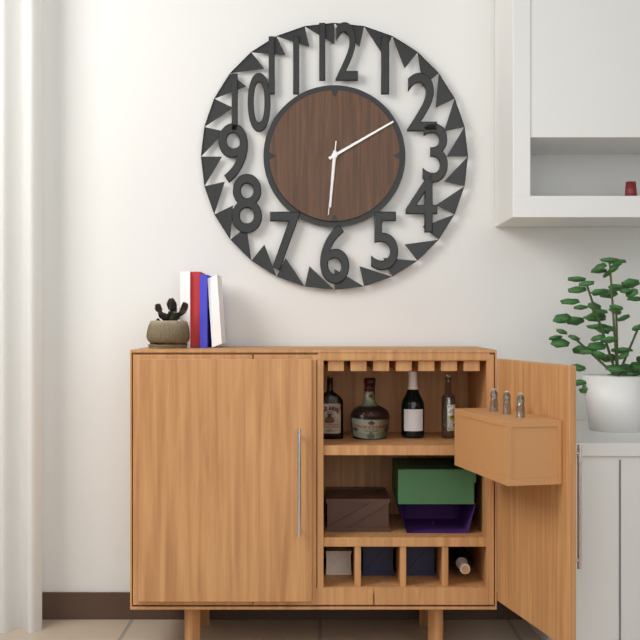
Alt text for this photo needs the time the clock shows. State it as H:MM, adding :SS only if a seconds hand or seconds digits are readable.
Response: 6:10:31
